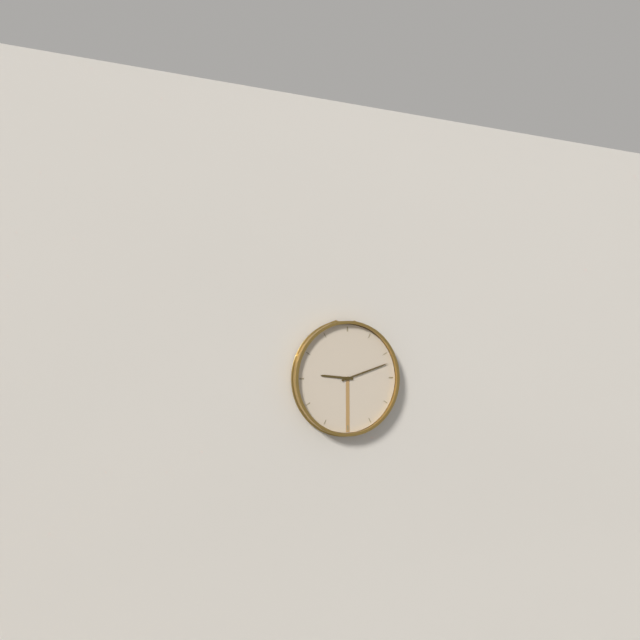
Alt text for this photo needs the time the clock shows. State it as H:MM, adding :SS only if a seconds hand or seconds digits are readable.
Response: 9:12
